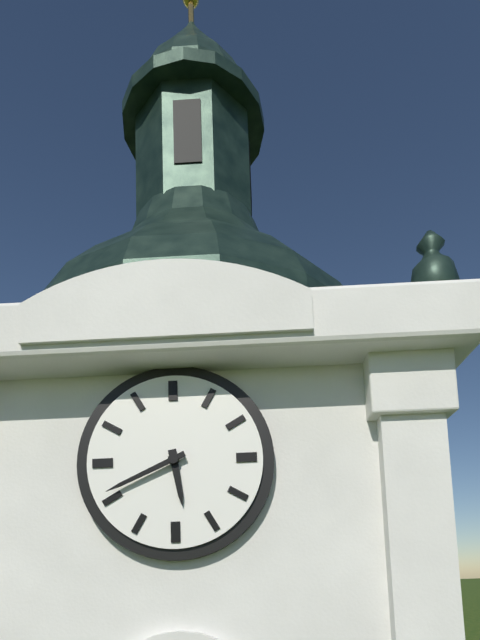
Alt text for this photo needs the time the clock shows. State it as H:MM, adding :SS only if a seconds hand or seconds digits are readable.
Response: 5:41
